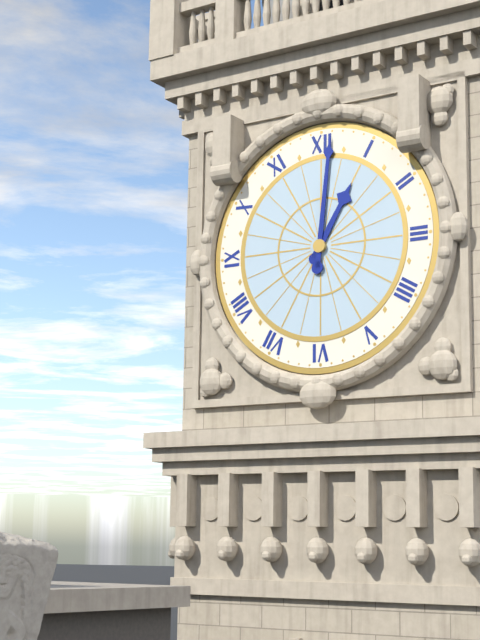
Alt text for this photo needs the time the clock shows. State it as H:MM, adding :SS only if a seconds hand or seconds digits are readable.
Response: 1:01
